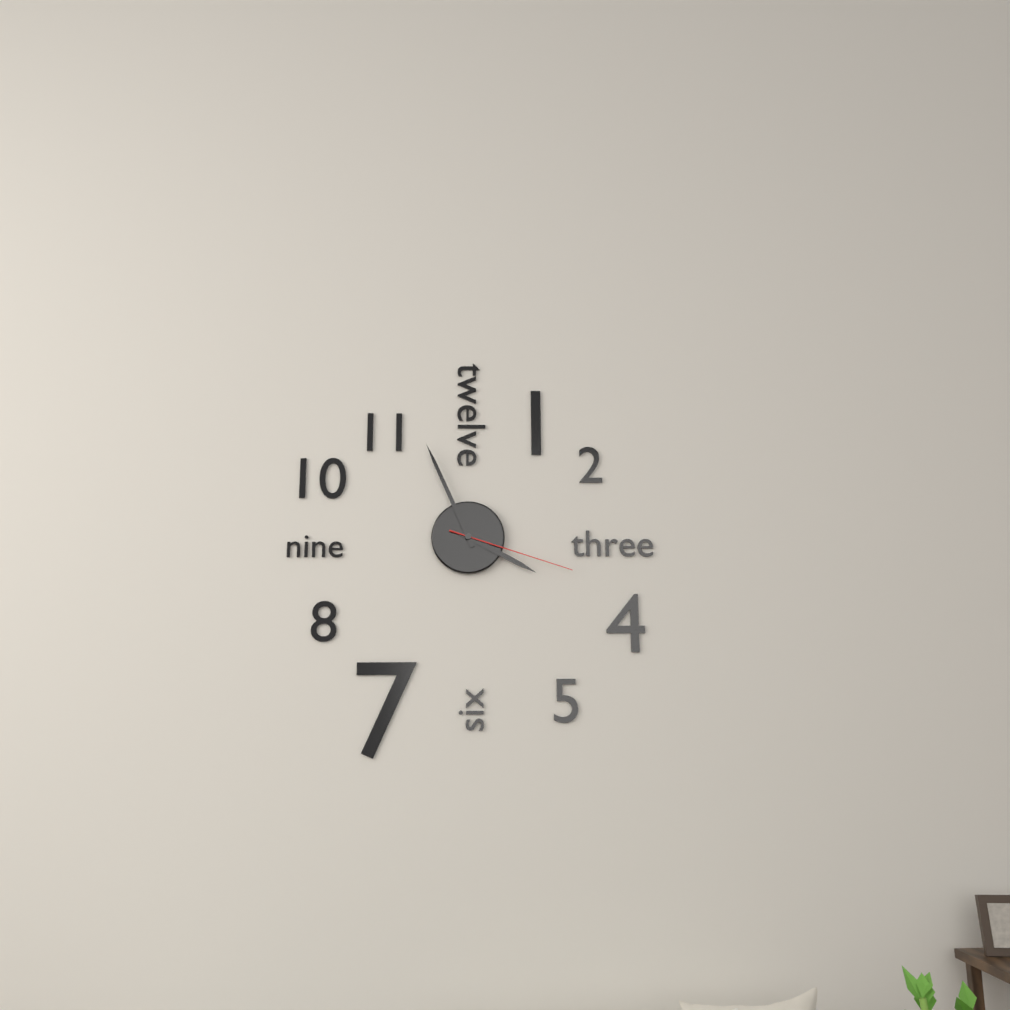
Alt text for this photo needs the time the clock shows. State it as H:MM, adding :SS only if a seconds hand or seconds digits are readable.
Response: 3:56:18
